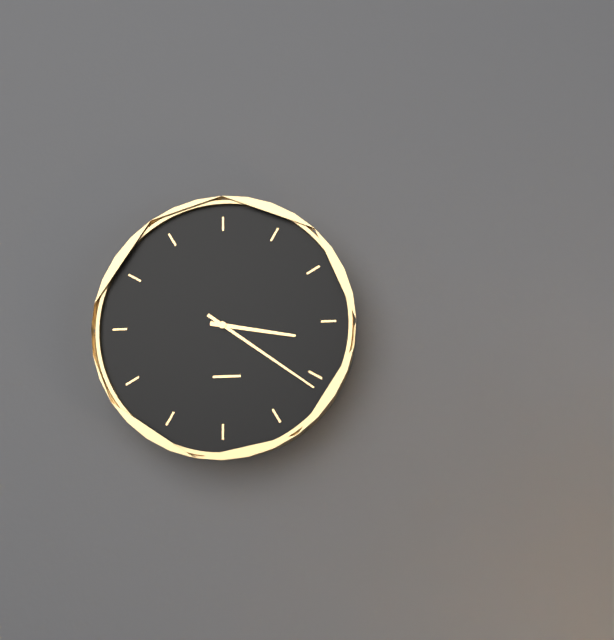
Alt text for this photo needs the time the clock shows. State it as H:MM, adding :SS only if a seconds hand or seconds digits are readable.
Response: 3:21
